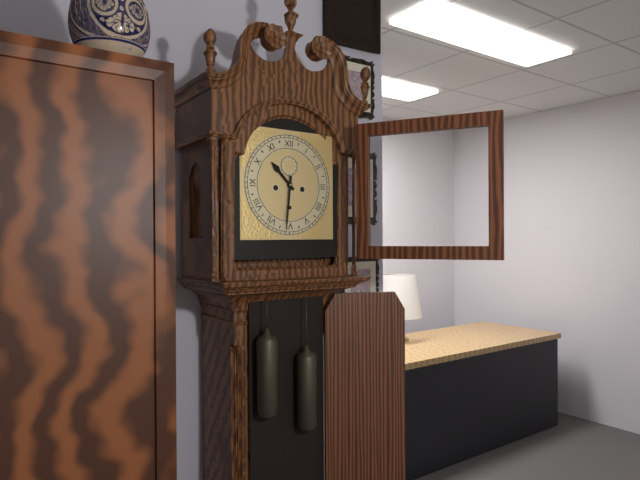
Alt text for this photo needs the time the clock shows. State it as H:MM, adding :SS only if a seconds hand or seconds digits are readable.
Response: 10:31
